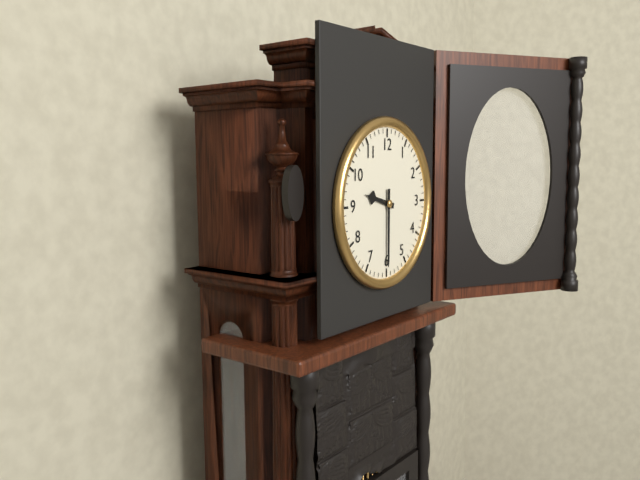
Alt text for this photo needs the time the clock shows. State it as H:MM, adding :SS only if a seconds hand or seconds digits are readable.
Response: 9:30
